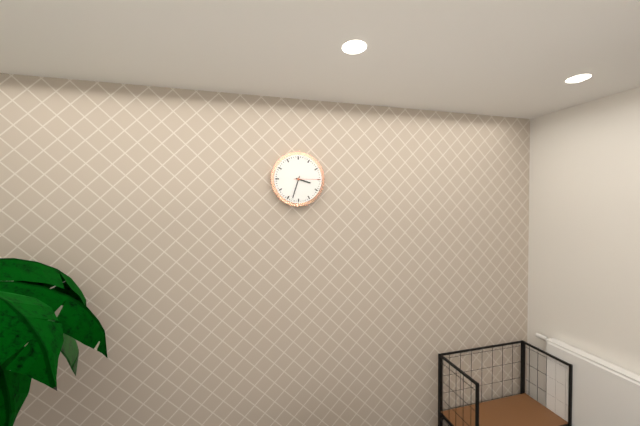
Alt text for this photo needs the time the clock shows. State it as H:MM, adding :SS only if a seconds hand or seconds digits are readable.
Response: 3:33
